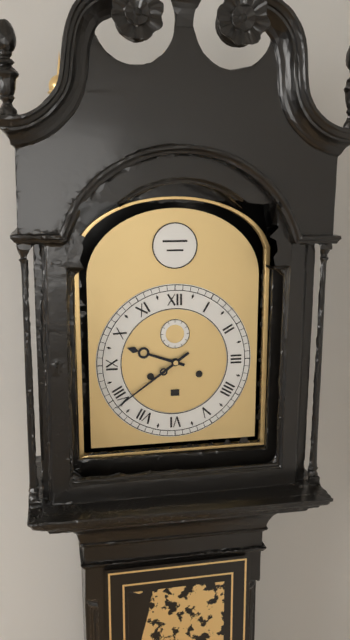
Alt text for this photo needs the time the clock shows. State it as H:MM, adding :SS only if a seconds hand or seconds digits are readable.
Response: 9:39
